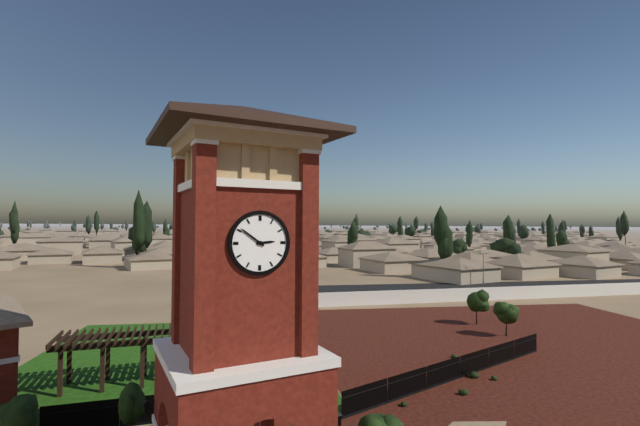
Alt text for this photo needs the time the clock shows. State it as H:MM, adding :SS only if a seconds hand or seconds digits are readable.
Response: 2:51
